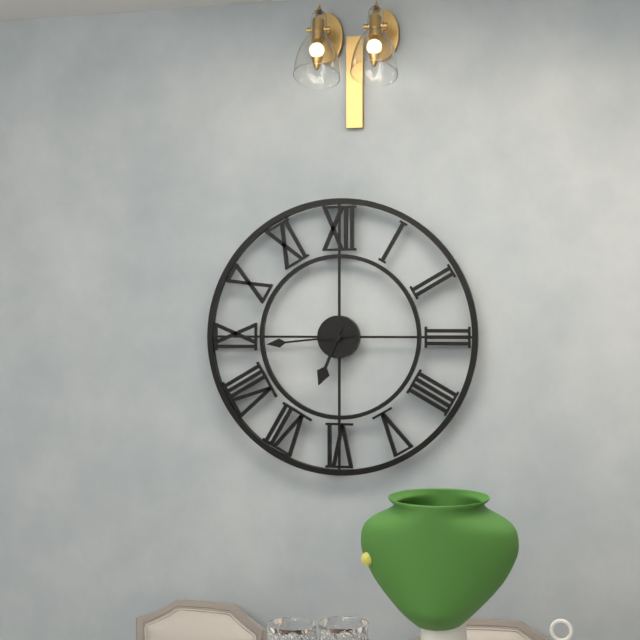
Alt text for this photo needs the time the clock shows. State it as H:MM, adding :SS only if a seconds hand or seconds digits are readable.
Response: 6:44
